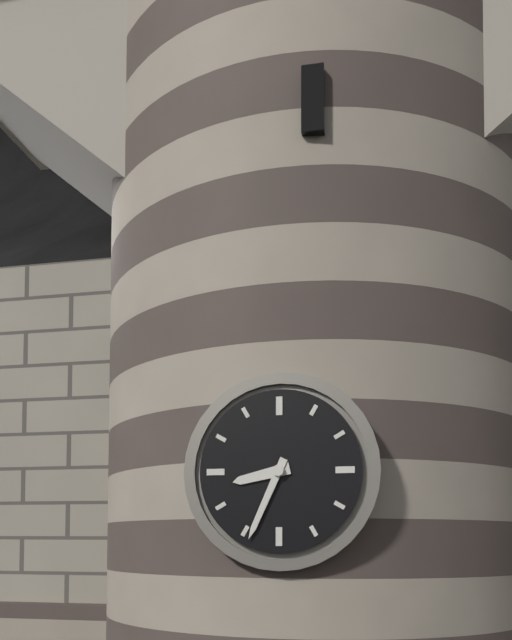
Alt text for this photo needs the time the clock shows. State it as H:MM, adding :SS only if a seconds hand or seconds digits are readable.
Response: 8:34
